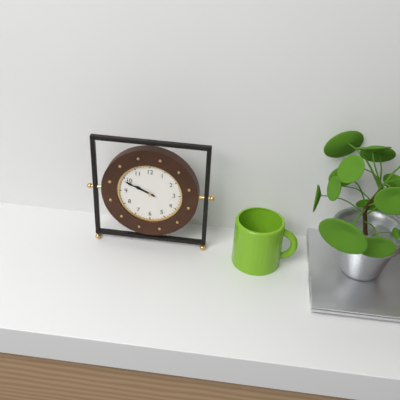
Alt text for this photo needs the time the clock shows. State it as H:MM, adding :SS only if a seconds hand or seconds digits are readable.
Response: 9:49
